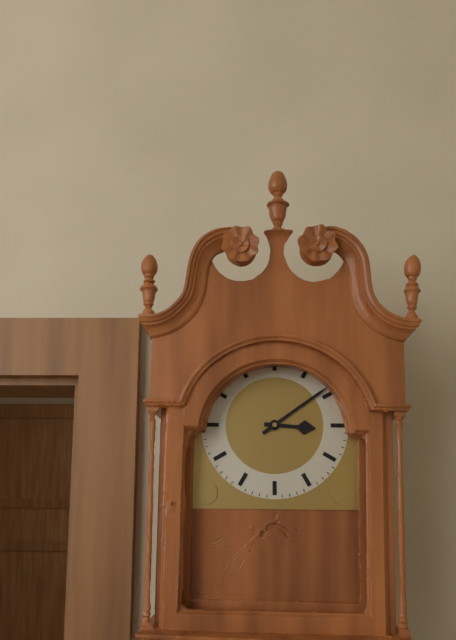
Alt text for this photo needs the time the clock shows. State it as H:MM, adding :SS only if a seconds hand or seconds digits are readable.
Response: 3:09
